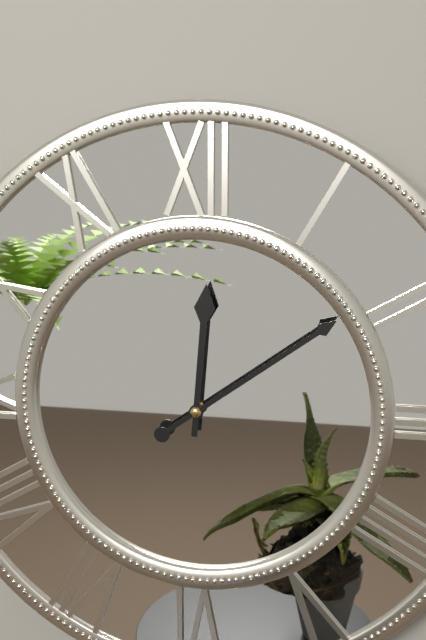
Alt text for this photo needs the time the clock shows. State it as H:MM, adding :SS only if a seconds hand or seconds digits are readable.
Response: 12:09
